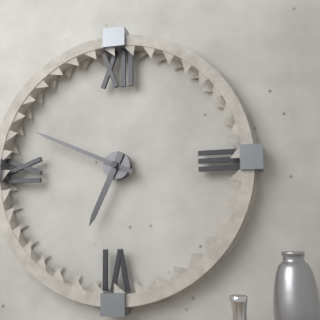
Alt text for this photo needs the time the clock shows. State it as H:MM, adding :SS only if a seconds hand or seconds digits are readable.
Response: 6:49
